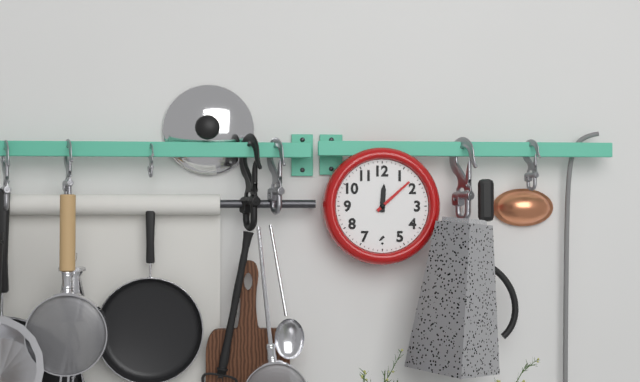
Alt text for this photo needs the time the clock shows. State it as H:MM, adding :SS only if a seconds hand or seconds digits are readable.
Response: 12:08
